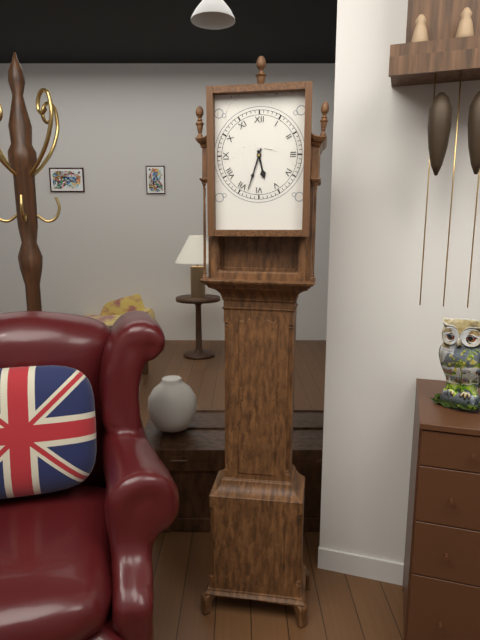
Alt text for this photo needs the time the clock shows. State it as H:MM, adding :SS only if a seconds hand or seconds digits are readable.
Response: 5:33
